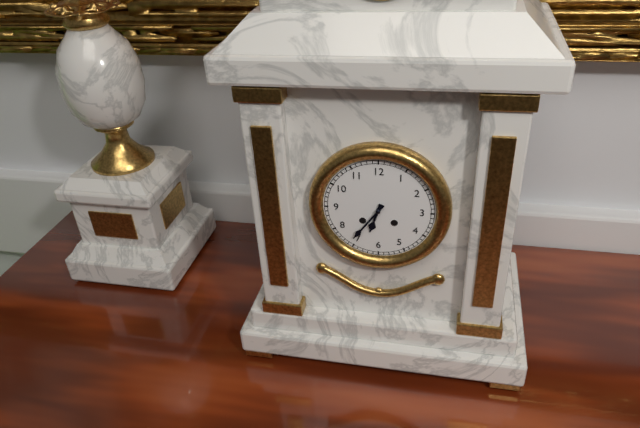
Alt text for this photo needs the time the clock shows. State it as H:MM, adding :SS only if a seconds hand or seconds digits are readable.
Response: 6:36
